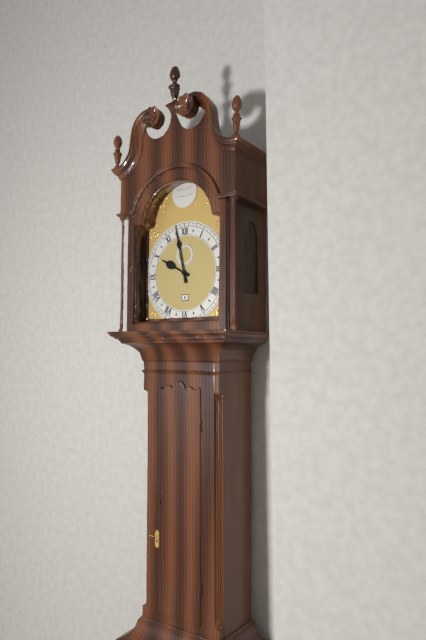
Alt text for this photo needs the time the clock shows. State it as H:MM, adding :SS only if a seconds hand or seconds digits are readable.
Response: 9:58
